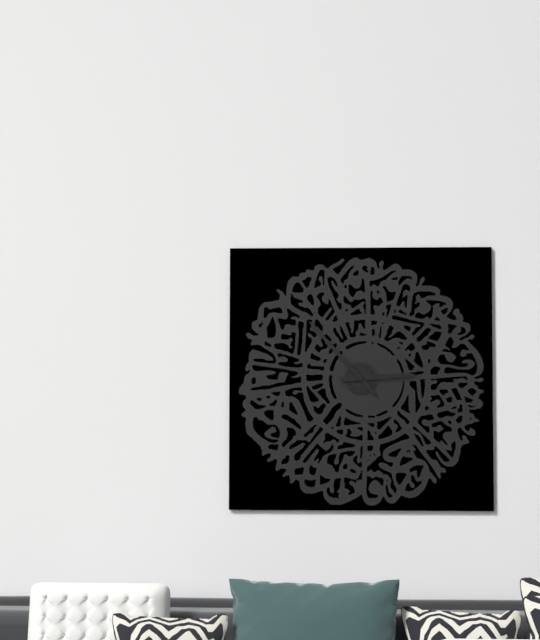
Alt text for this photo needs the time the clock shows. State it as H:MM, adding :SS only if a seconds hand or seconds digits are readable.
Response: 2:53
